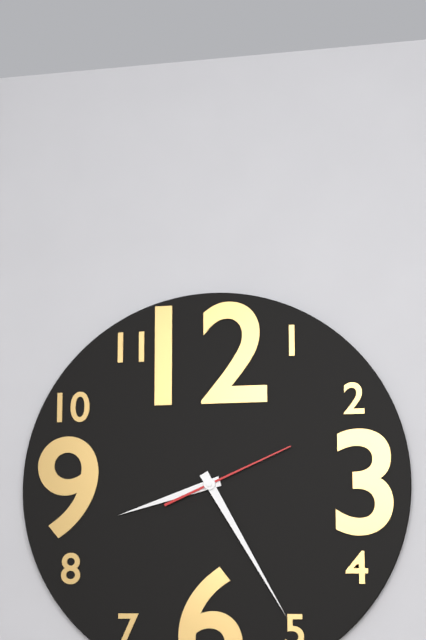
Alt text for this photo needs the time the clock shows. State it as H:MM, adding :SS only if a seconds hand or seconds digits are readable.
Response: 8:25:11
